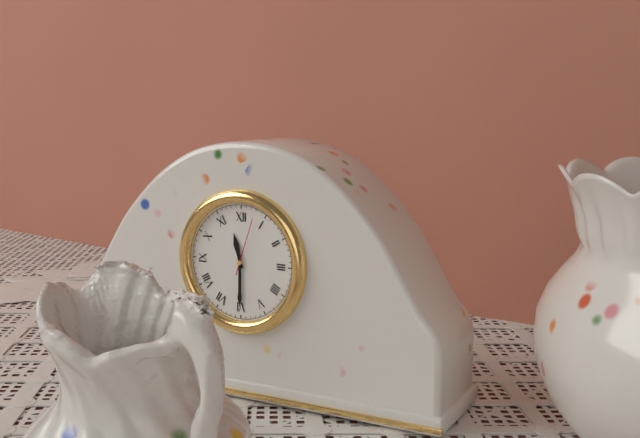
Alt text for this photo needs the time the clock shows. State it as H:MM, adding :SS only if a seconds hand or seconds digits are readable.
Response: 11:30:03
